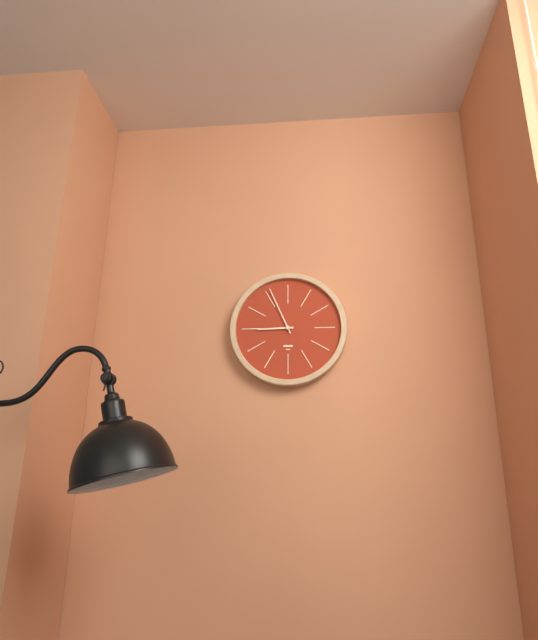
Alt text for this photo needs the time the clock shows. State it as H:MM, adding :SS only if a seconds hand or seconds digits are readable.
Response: 8:56
